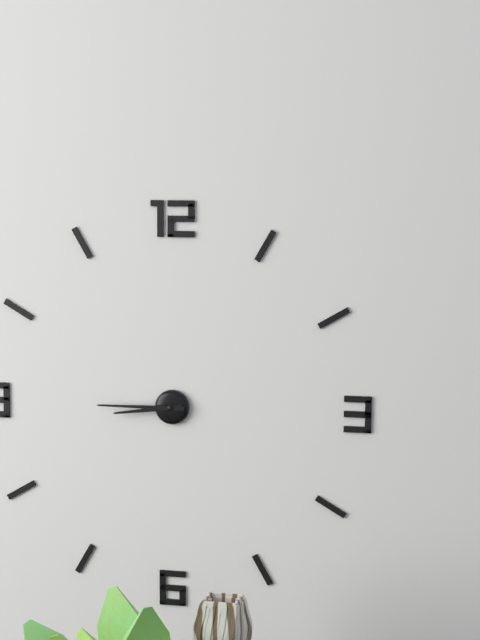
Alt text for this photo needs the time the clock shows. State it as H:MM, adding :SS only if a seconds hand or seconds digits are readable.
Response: 8:45
